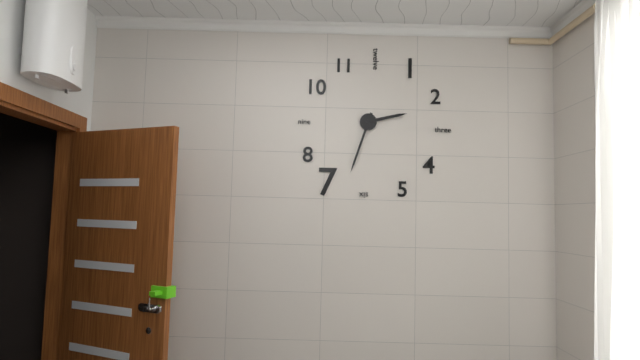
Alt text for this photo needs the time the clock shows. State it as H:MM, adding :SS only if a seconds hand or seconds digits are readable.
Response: 2:33
